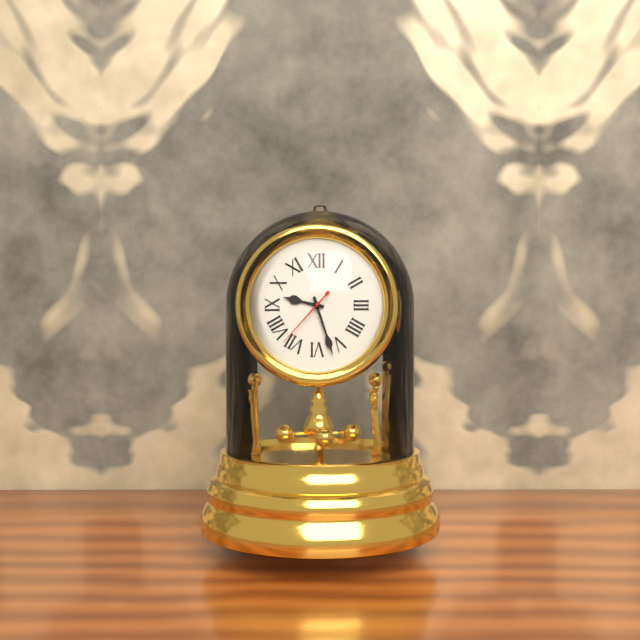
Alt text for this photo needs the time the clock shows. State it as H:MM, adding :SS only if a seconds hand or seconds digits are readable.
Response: 9:27:37
